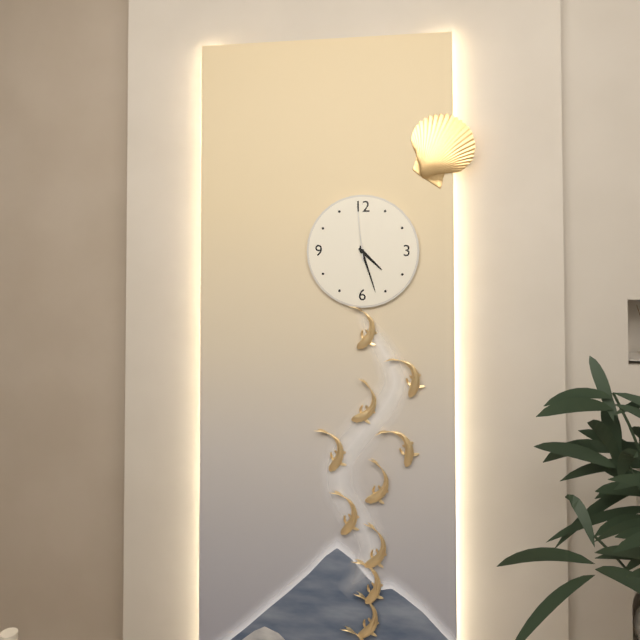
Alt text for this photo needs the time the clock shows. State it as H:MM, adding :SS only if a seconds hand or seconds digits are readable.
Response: 4:27:59
